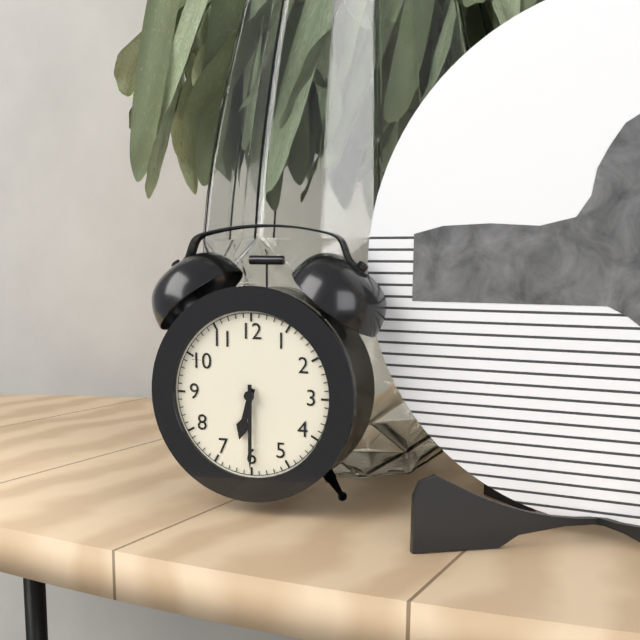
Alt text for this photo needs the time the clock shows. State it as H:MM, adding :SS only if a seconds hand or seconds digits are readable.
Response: 6:30
